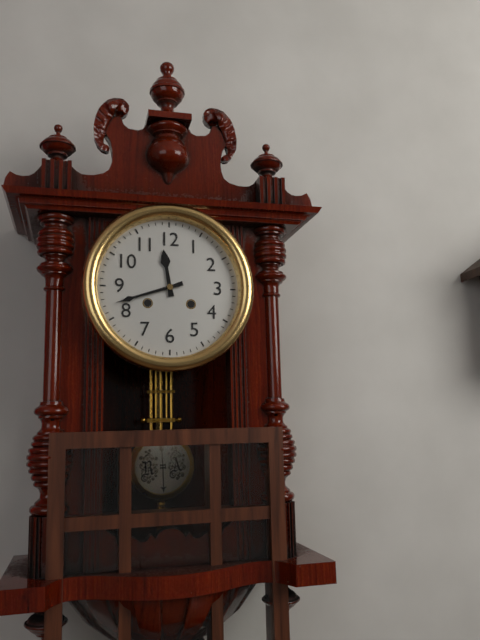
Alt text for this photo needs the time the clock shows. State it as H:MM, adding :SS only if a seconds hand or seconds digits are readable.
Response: 11:42
